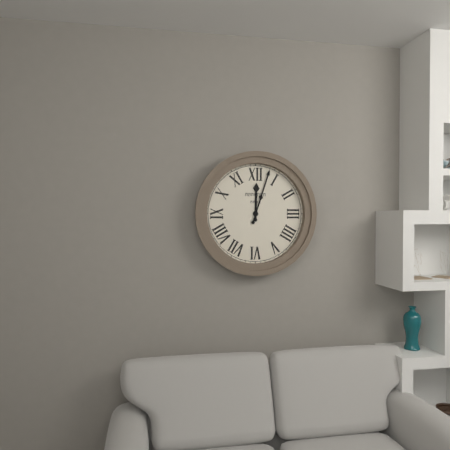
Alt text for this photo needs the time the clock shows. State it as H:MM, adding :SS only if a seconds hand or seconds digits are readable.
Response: 12:03
